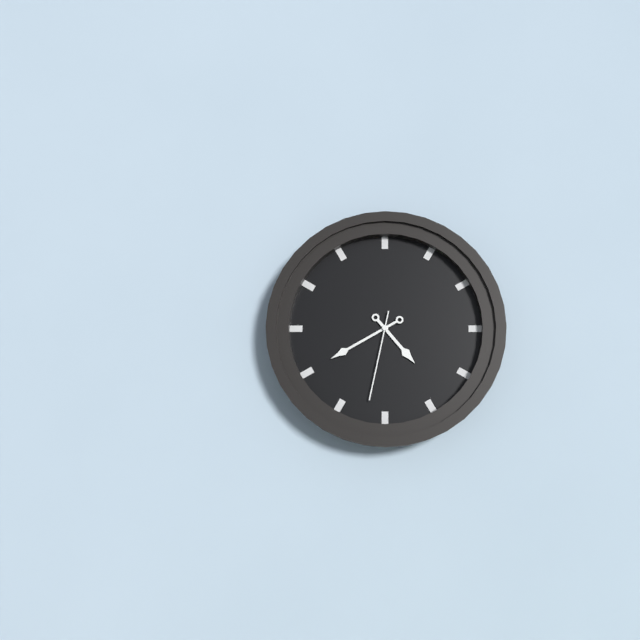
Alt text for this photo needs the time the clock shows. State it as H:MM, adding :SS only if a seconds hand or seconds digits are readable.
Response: 4:40:32
